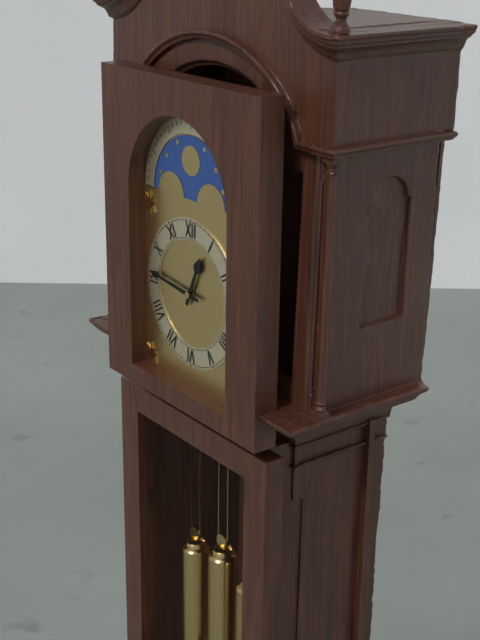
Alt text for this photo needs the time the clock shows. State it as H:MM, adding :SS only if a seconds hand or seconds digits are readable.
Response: 12:46
